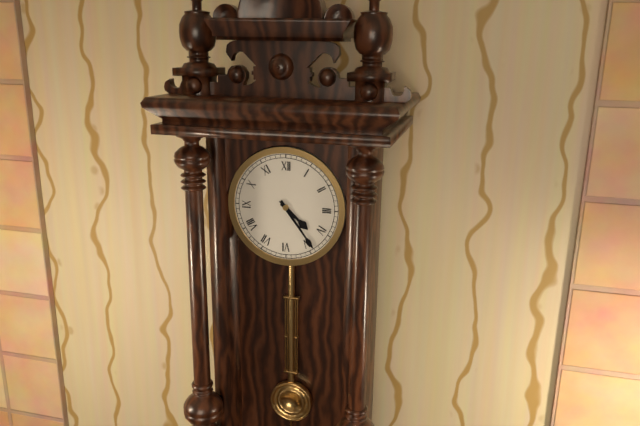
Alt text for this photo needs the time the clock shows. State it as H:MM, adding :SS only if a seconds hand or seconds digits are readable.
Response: 4:24
